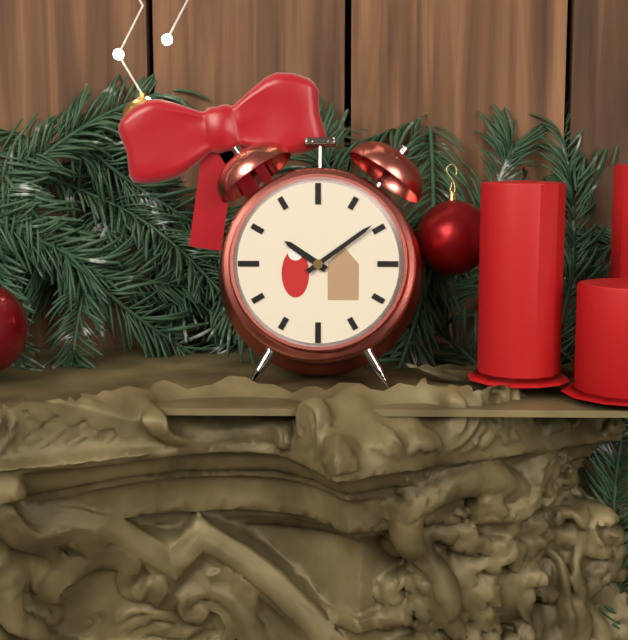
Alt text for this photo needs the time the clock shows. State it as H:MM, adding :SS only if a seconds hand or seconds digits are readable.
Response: 10:09
